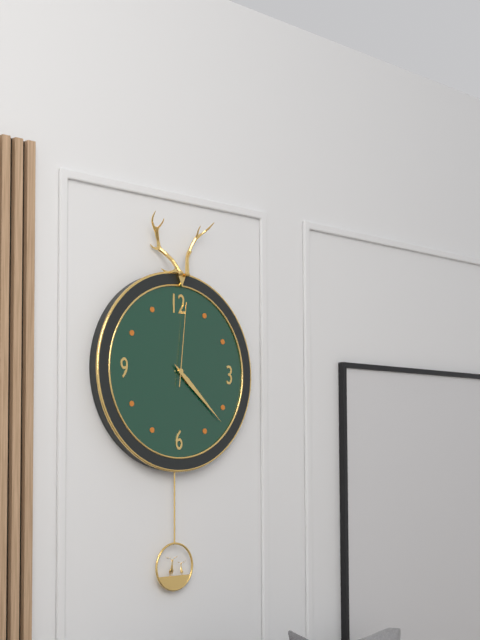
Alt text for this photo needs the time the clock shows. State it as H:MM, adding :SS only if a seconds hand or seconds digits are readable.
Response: 4:22:01
